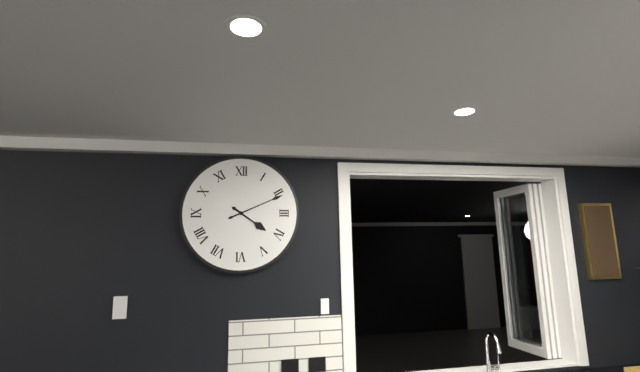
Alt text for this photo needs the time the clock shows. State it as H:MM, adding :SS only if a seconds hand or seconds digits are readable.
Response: 4:11
